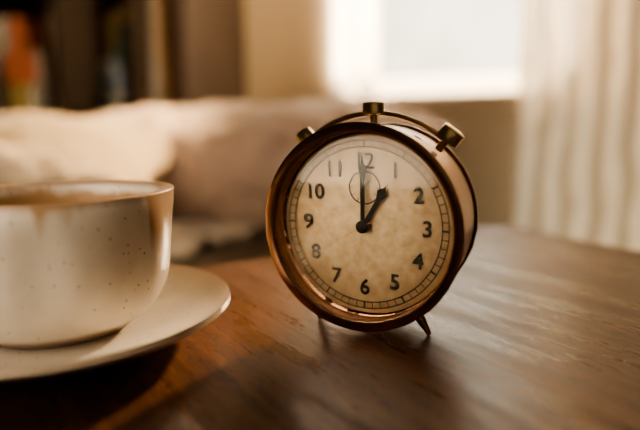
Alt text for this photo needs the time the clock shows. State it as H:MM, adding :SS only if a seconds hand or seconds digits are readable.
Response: 1:00:40
